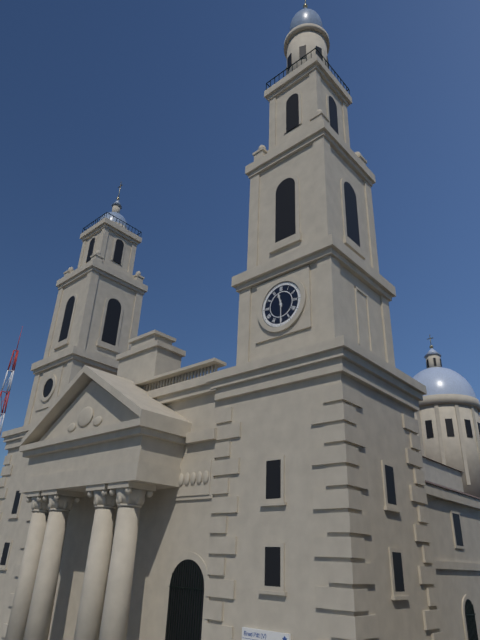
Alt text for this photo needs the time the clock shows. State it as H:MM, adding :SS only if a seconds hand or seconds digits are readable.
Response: 11:30
